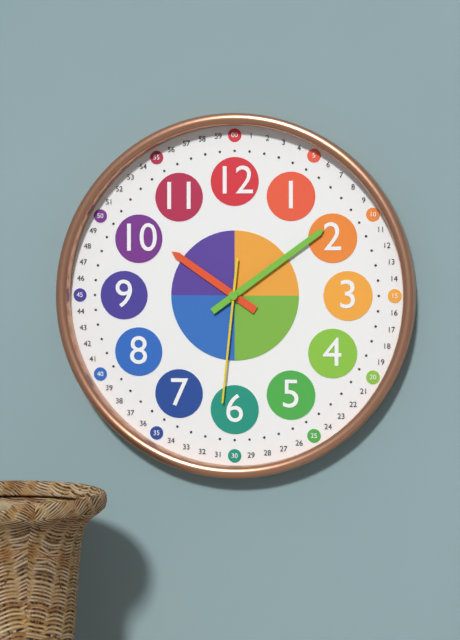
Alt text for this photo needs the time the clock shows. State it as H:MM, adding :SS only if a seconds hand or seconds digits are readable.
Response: 10:09:31
